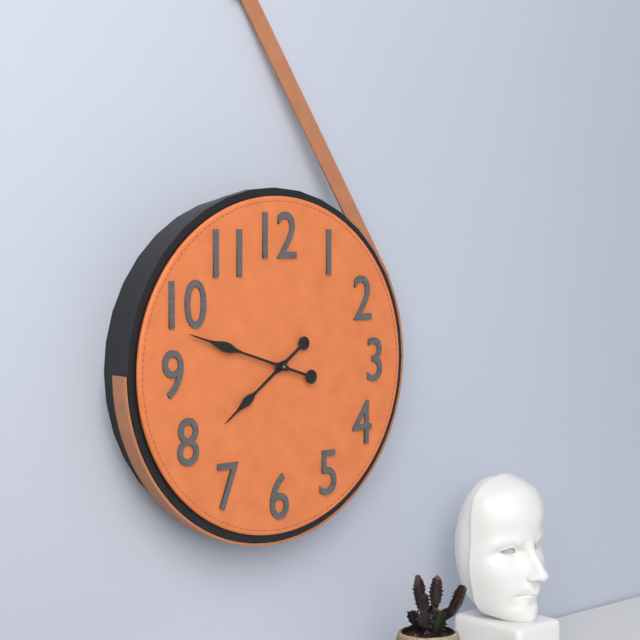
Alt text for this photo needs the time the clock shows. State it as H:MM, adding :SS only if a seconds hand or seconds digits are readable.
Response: 7:48
